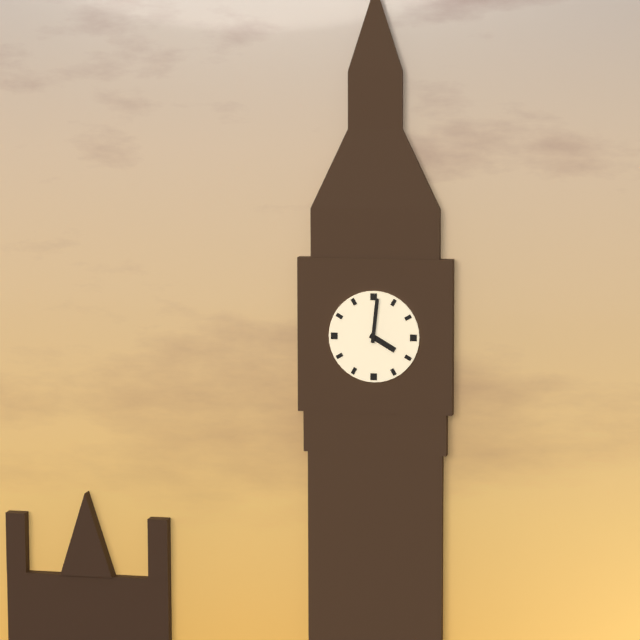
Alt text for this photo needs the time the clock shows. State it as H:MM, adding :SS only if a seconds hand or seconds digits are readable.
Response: 4:01
